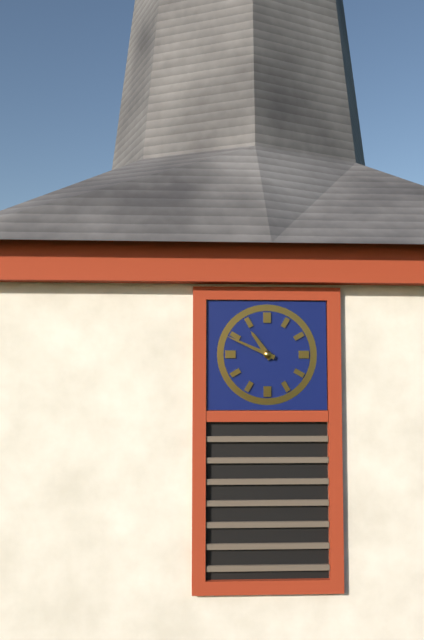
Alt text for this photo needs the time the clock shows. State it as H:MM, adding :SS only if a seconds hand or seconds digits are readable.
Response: 10:49
